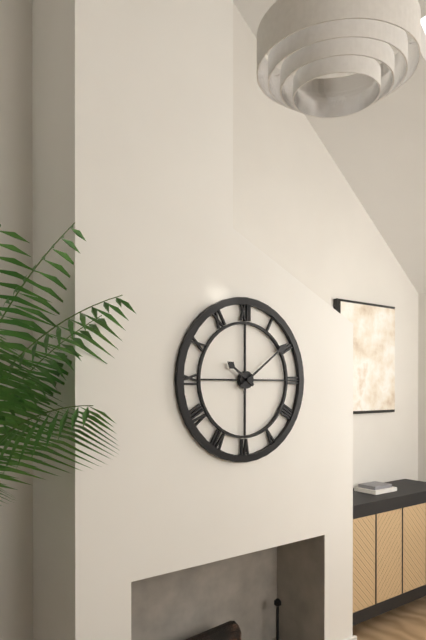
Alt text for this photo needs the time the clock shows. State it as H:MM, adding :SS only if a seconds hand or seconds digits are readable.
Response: 10:09
